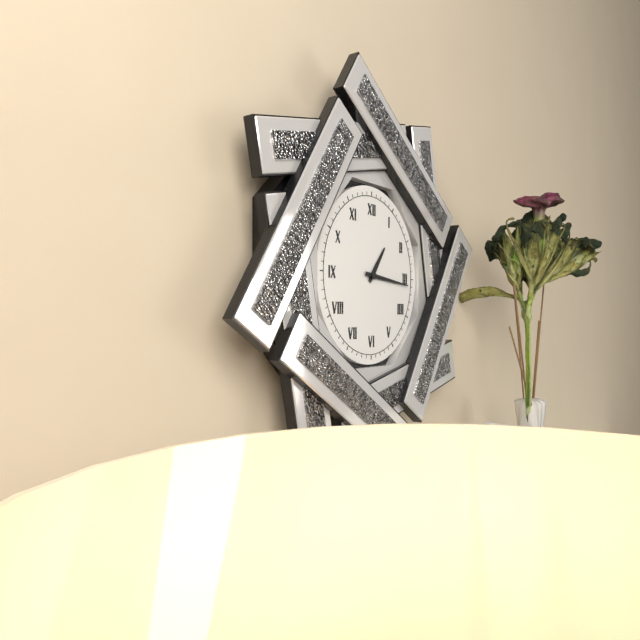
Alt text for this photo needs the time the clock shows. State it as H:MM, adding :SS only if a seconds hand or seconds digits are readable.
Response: 1:16
